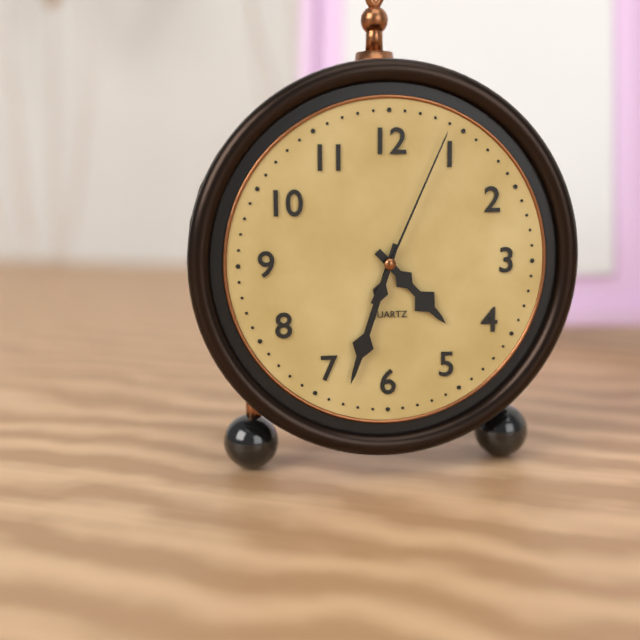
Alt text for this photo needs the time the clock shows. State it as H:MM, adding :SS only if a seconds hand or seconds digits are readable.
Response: 4:33:04
